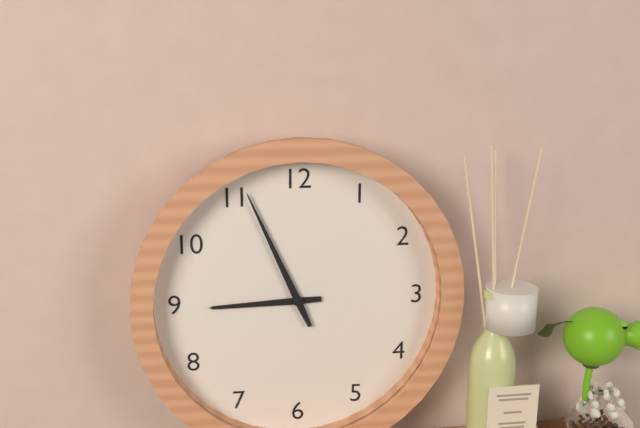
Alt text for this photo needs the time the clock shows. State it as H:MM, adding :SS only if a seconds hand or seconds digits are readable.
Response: 8:56
